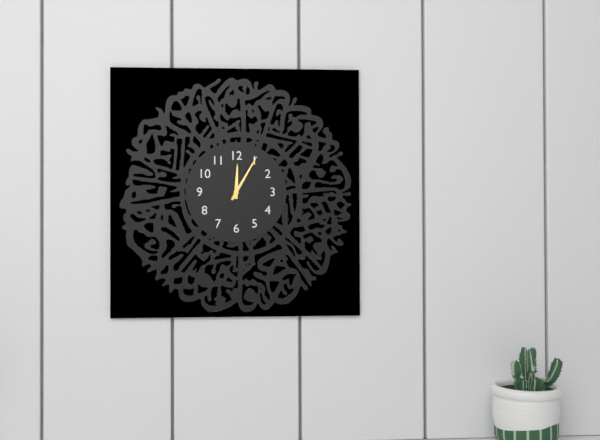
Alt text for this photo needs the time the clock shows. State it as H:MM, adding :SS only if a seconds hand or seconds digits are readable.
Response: 12:05
